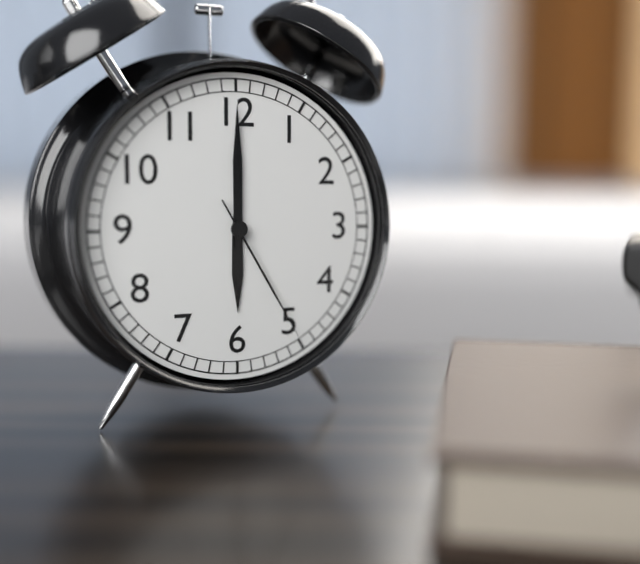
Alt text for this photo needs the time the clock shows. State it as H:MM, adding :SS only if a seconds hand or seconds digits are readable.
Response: 6:00:25
